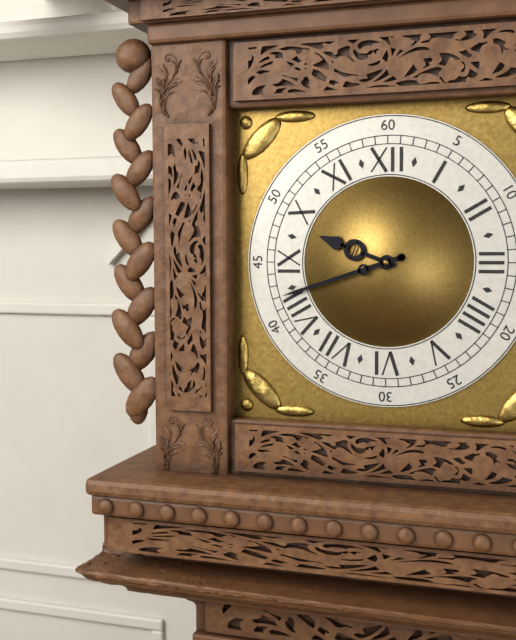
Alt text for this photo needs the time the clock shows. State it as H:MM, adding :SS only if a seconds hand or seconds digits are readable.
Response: 9:42
